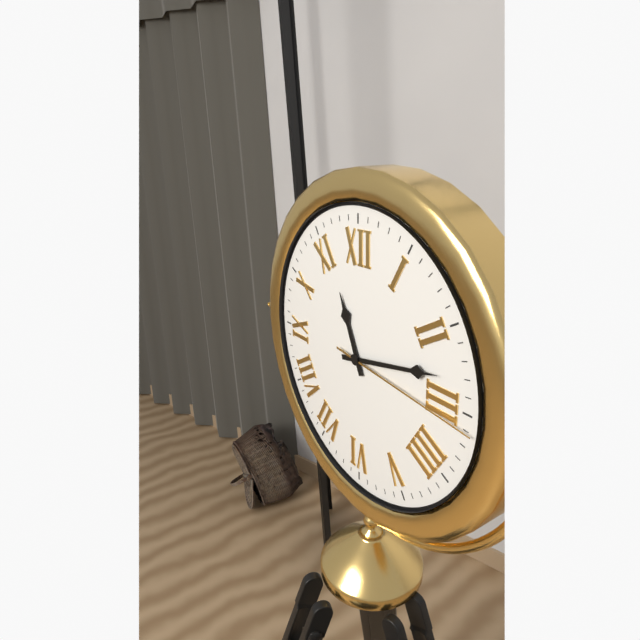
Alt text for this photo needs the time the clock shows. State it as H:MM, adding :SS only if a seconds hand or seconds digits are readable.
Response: 11:13:16
